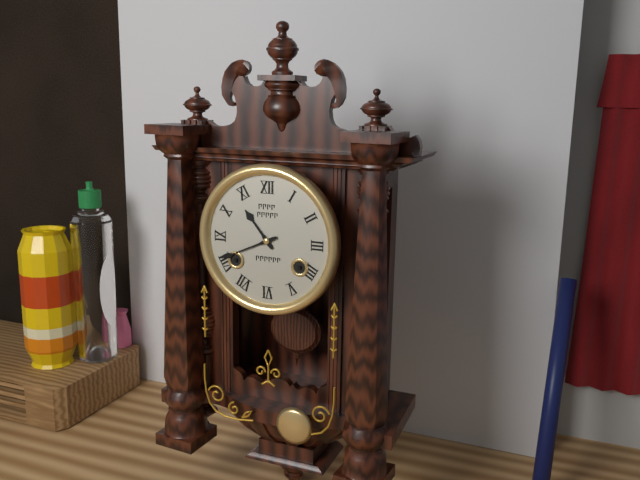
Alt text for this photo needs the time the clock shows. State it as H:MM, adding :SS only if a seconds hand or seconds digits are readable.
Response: 10:41
